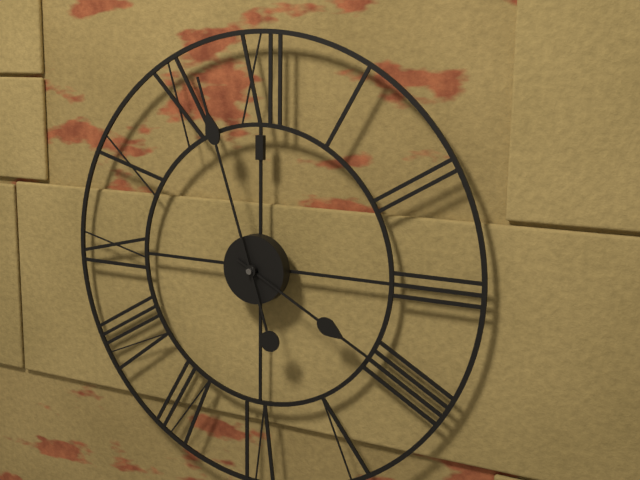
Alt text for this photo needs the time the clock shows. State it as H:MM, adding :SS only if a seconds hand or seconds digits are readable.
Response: 3:57
